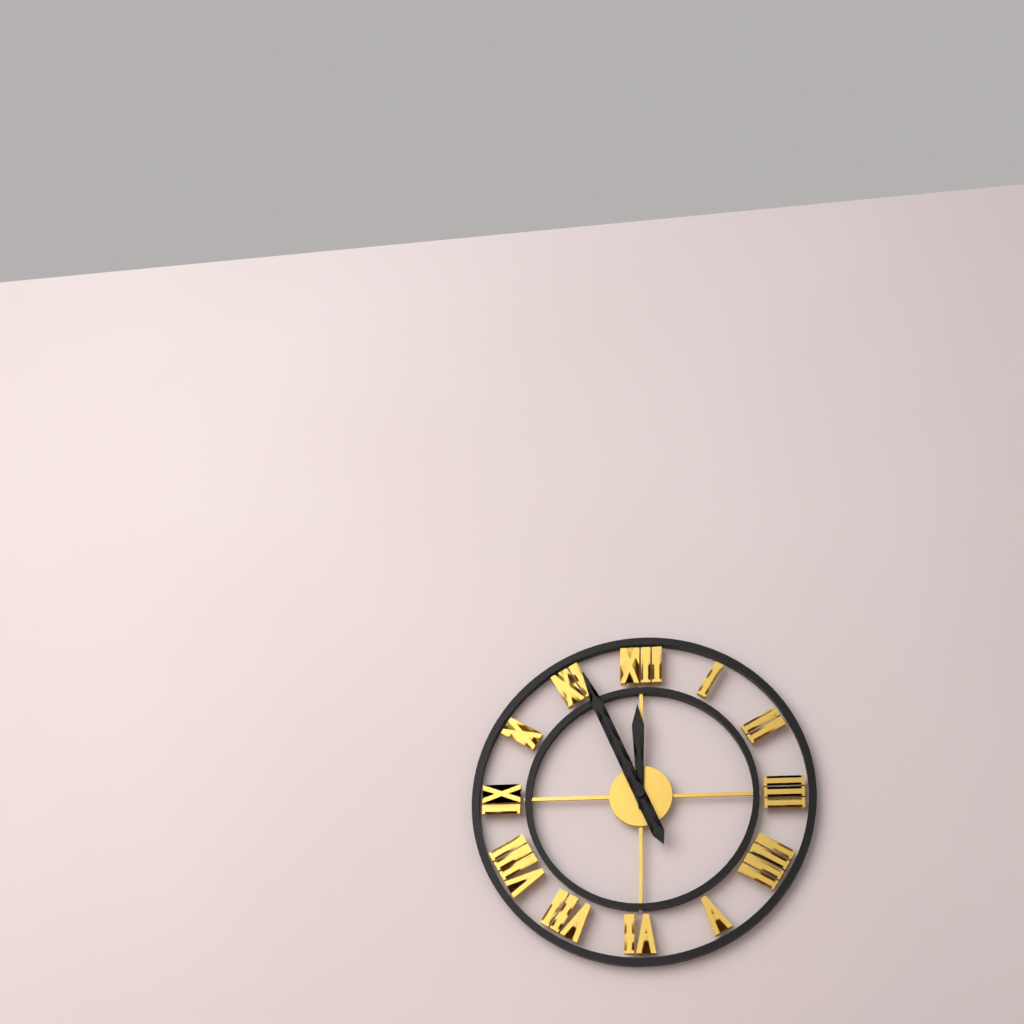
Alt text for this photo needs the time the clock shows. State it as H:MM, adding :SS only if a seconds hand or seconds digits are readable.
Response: 11:56
